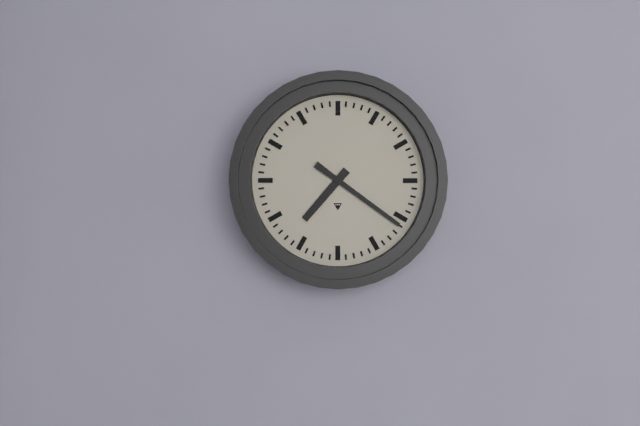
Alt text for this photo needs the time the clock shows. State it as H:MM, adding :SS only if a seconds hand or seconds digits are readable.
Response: 7:21
